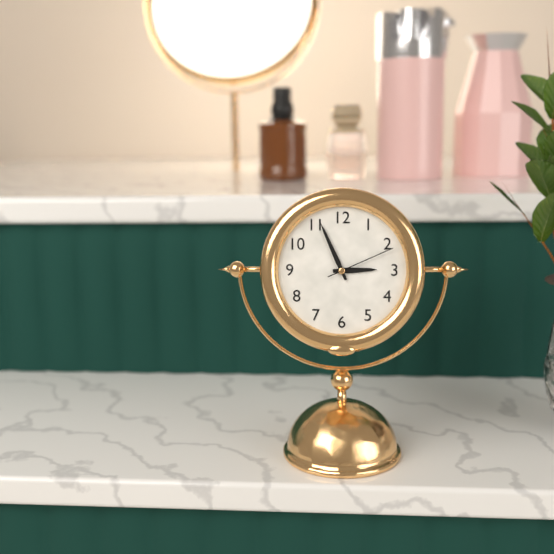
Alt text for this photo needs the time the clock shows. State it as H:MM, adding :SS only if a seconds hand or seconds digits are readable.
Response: 2:56:11
